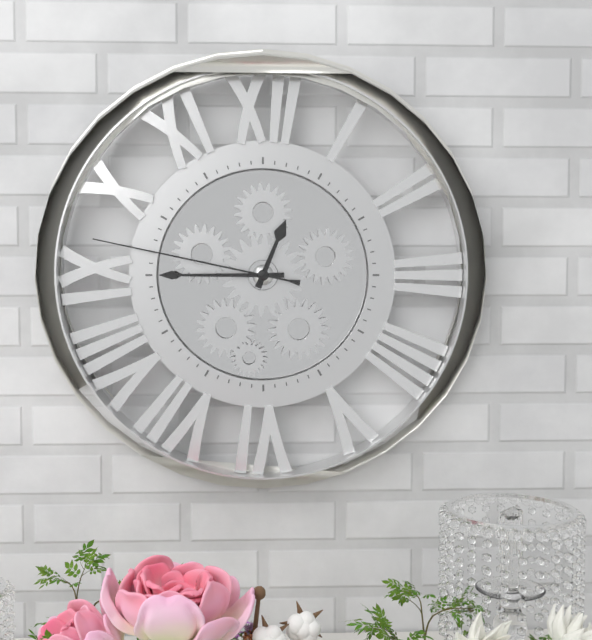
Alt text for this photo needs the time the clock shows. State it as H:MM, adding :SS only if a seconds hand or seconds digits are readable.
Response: 12:45:47
